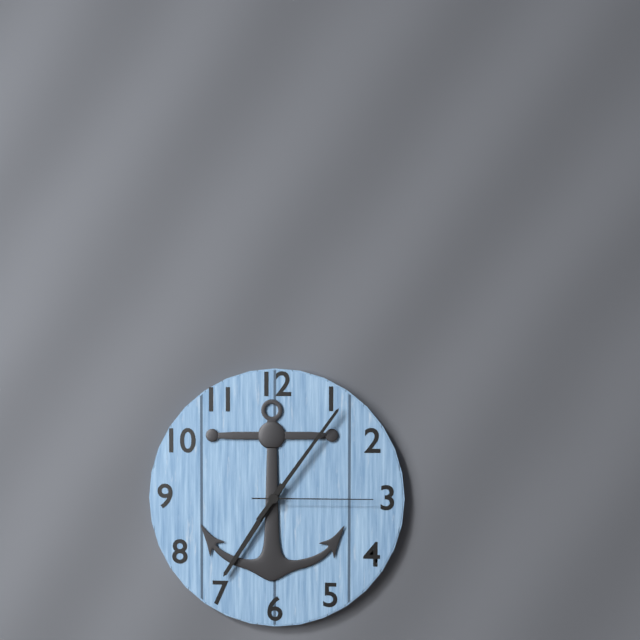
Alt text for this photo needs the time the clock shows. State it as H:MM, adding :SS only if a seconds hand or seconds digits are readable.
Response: 7:06:15
